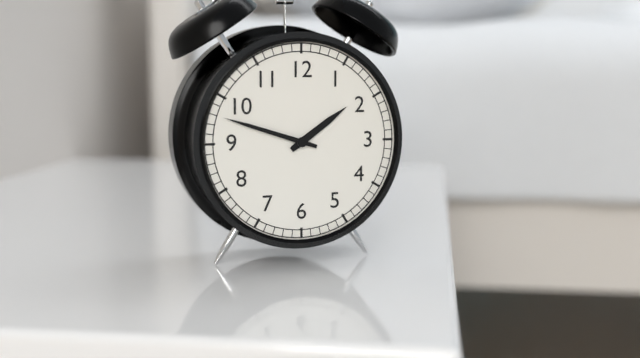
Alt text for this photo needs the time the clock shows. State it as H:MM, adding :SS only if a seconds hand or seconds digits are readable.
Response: 1:48
